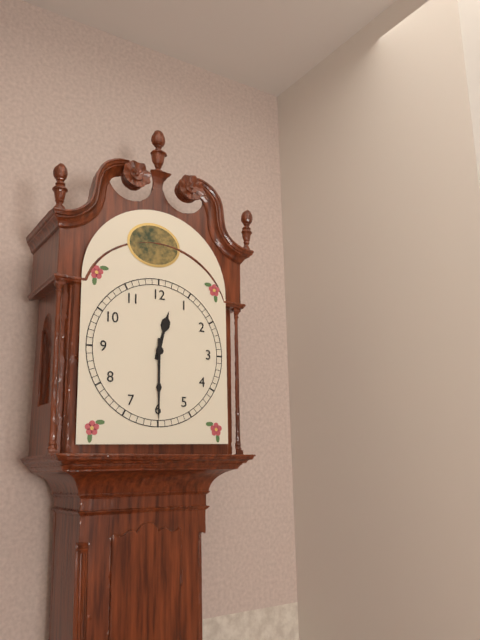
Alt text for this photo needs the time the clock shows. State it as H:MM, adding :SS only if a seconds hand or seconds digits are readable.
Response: 12:30
